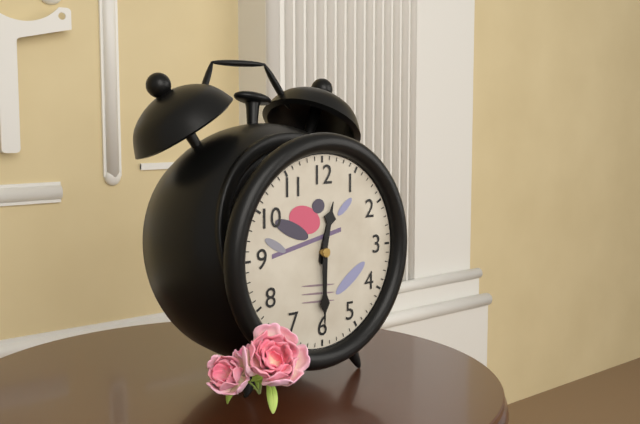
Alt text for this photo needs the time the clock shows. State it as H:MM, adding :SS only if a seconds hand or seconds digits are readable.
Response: 12:30
